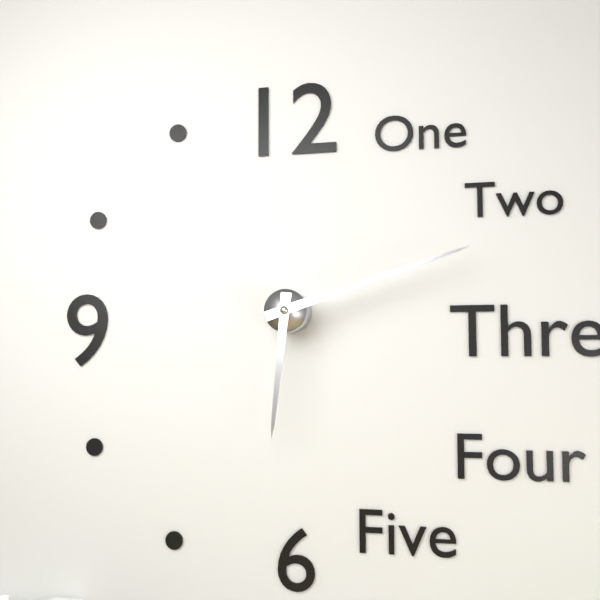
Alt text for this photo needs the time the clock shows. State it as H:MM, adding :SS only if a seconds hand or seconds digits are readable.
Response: 6:12
